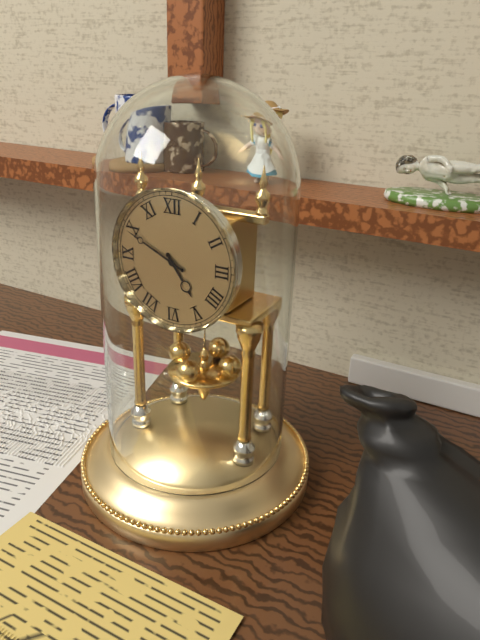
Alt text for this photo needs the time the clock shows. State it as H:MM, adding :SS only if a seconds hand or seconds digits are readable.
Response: 4:49
